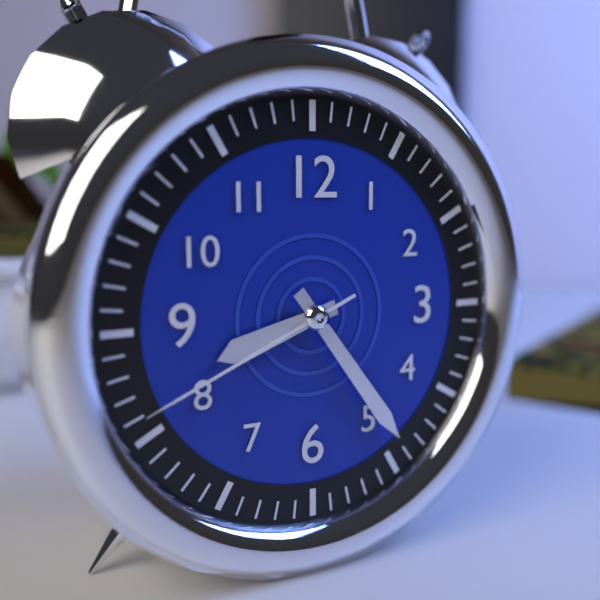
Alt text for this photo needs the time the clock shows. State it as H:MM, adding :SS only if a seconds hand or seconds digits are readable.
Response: 8:24:41
